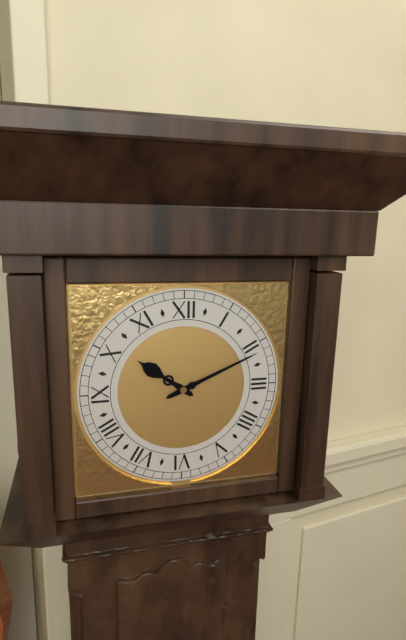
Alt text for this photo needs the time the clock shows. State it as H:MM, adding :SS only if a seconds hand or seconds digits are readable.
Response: 10:11
